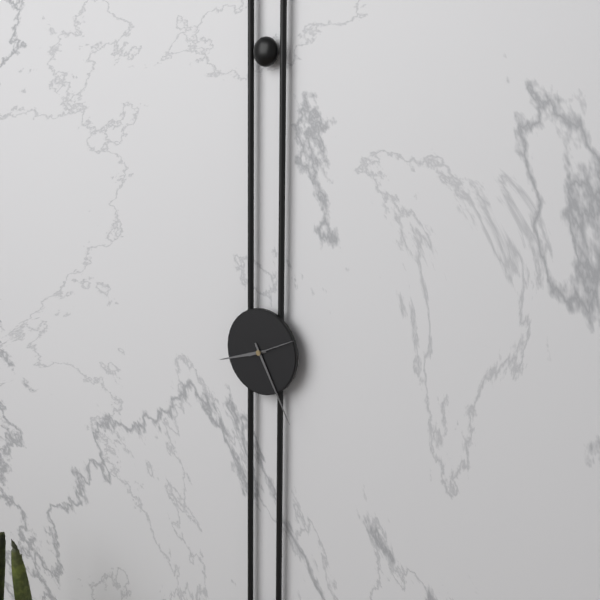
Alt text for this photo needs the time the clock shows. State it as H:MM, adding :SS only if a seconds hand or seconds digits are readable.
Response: 8:25
